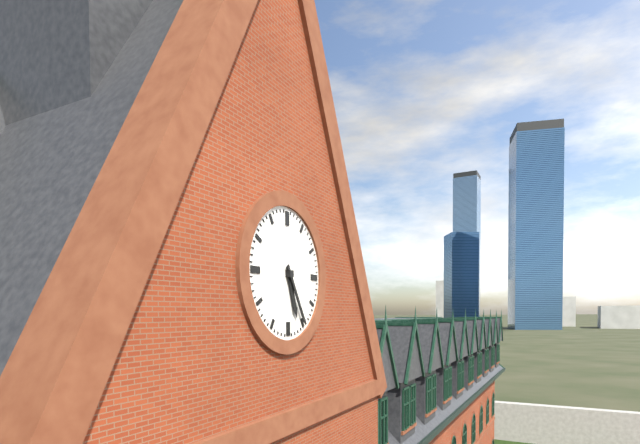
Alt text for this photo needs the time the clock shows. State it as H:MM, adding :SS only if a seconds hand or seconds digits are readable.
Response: 5:25
